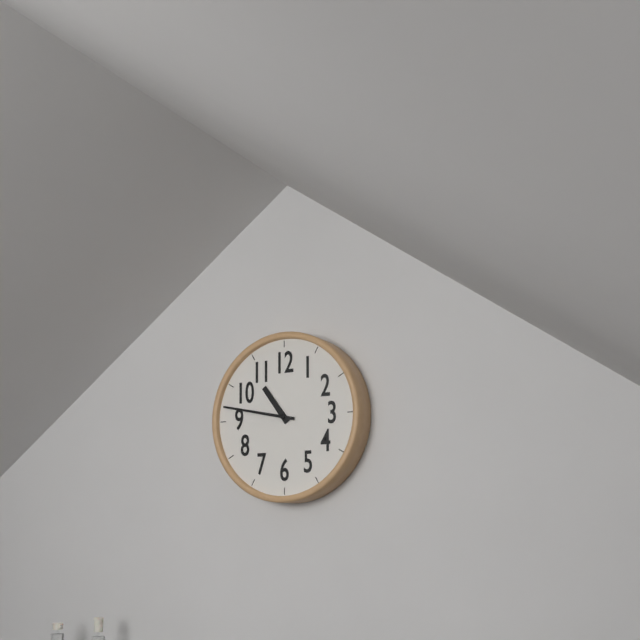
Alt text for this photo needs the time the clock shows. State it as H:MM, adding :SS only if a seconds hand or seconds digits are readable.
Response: 10:47
